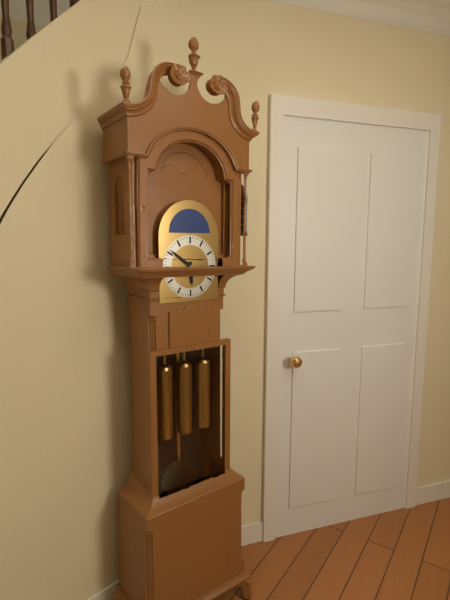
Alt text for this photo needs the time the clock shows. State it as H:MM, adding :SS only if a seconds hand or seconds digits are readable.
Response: 5:51
